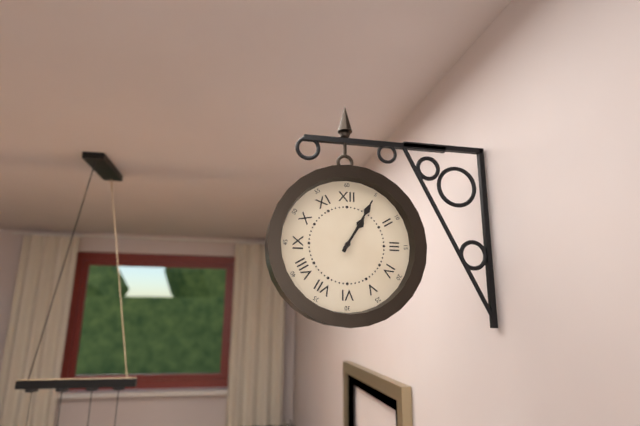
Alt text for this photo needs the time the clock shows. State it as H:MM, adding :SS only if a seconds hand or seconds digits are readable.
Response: 1:05
